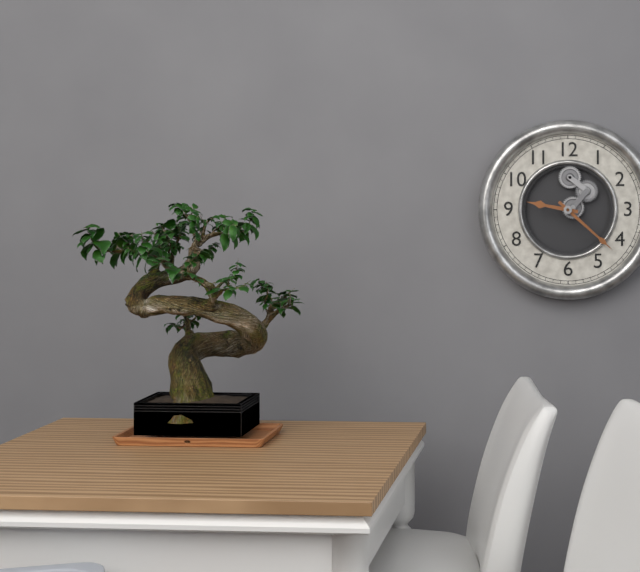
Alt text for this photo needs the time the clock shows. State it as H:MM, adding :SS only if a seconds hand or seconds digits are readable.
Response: 9:22
